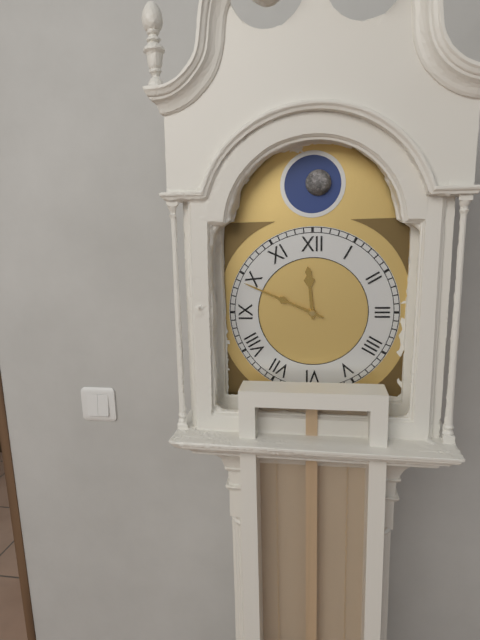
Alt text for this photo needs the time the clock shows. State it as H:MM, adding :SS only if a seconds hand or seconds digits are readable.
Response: 11:49
